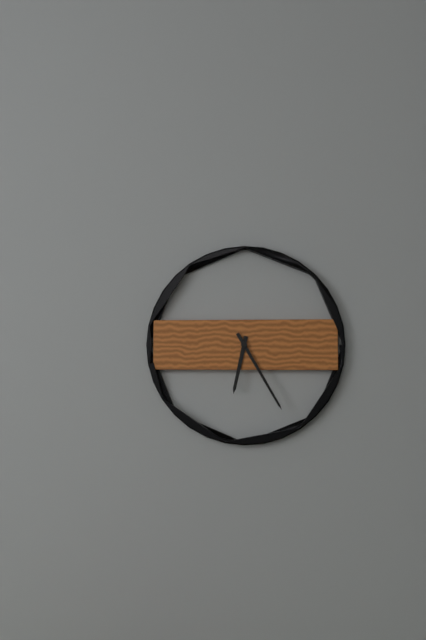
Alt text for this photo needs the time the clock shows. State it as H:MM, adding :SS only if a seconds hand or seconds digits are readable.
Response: 6:25
